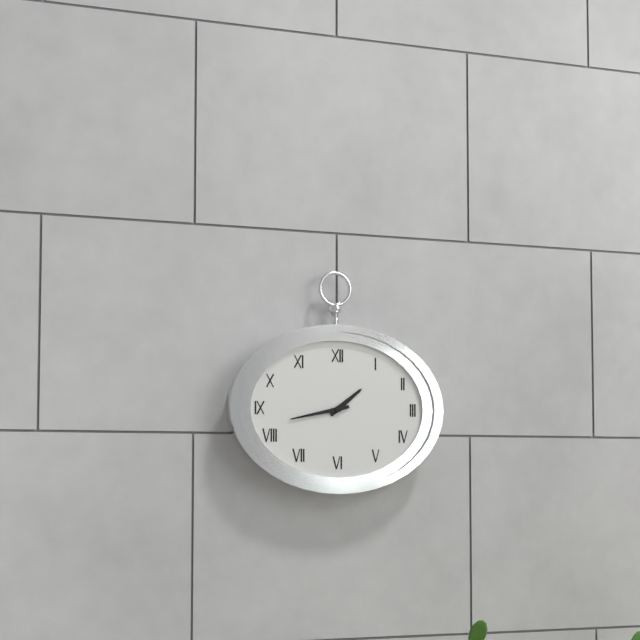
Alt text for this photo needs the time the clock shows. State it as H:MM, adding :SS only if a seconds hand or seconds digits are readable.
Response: 1:43
